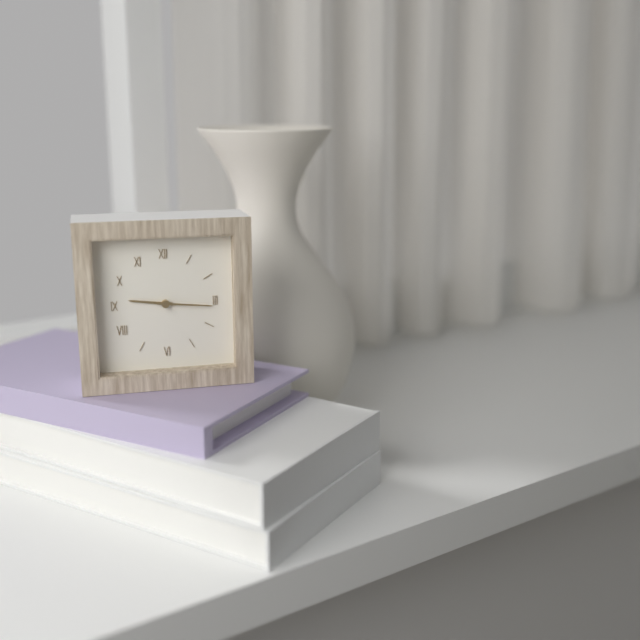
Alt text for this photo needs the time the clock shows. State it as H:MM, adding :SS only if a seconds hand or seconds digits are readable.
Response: 9:16
